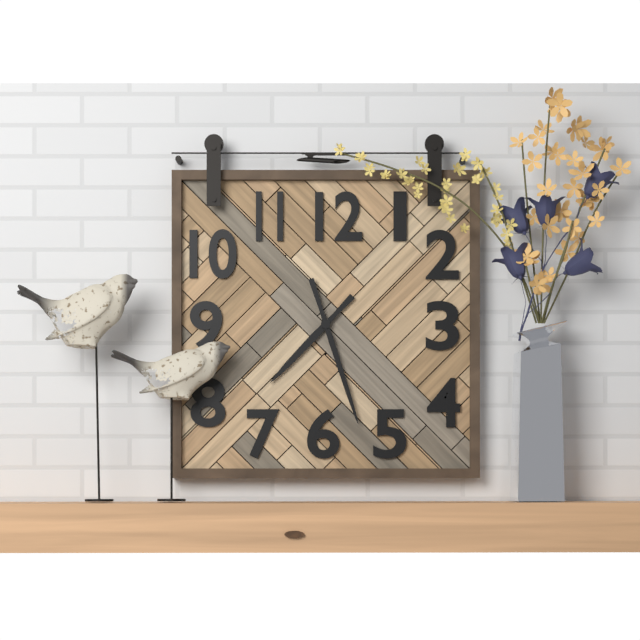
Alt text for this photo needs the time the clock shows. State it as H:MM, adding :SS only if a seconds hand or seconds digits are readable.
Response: 7:27
